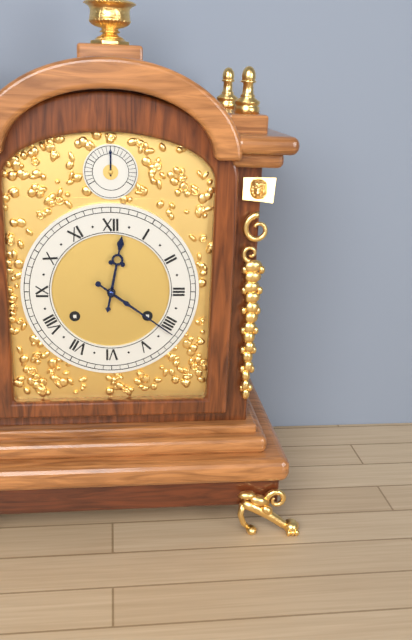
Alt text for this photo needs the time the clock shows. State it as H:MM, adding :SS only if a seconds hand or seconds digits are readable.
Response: 12:21
